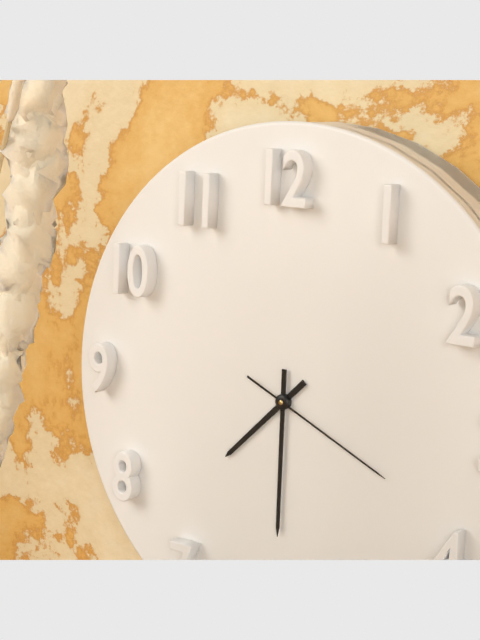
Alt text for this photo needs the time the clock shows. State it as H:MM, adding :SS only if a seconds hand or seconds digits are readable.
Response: 7:30:19
